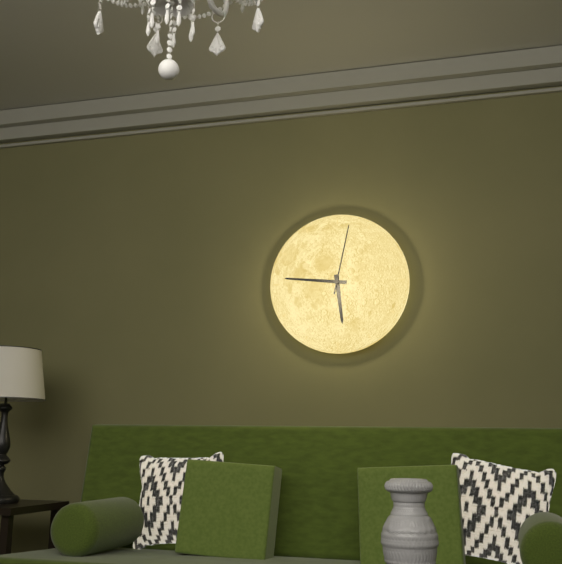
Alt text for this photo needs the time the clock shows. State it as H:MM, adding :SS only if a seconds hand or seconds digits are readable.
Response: 5:46:02
